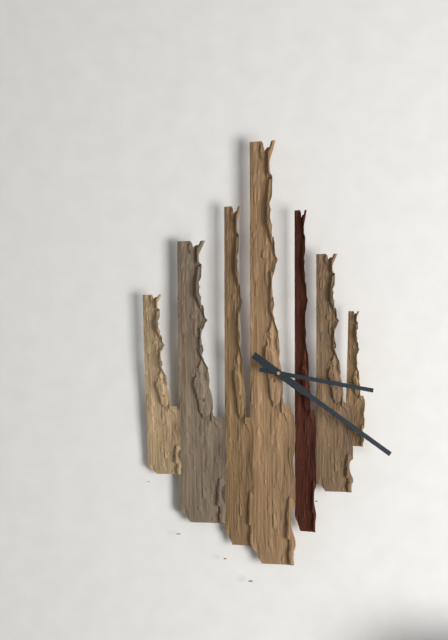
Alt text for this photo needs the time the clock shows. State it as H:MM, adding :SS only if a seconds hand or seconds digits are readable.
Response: 3:21
